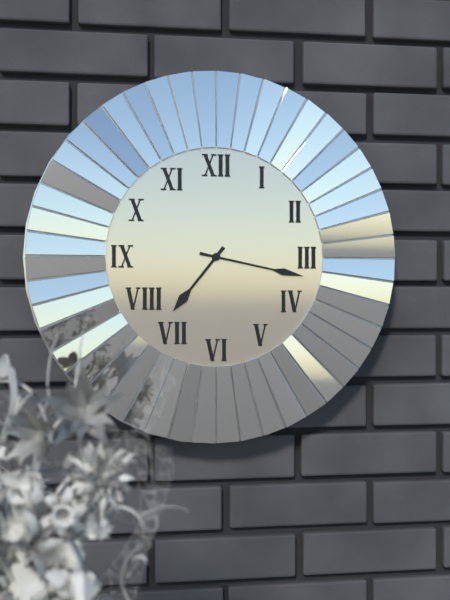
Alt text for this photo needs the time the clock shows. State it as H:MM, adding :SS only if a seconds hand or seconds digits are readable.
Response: 7:17
